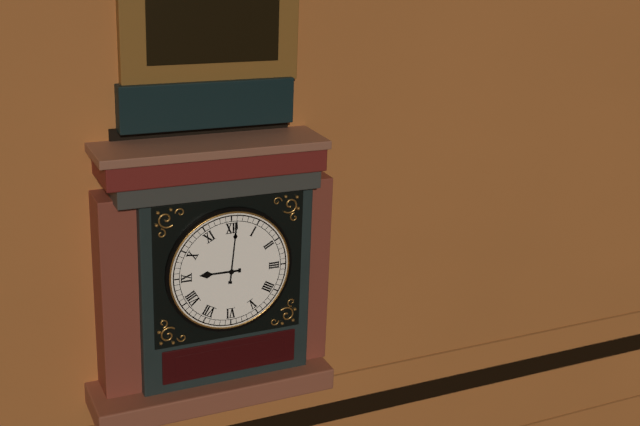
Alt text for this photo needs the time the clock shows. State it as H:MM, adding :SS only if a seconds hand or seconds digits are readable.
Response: 9:01
